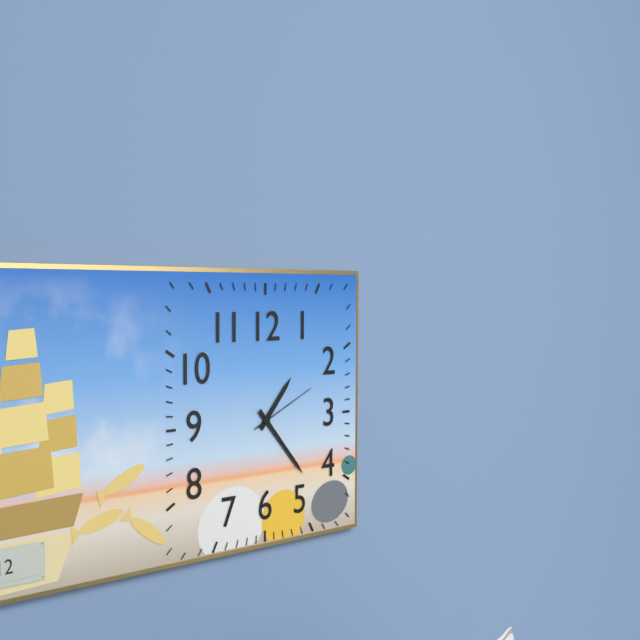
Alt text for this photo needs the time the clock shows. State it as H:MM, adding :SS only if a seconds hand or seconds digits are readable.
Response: 1:23:11
